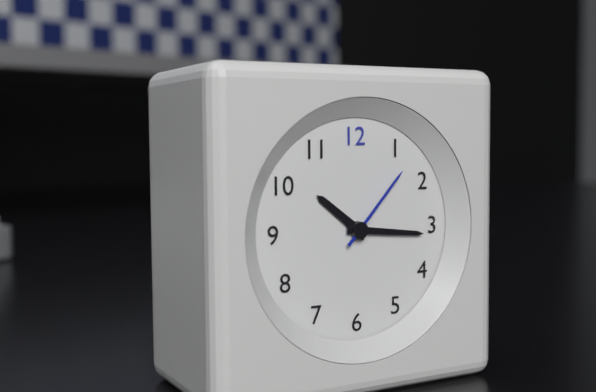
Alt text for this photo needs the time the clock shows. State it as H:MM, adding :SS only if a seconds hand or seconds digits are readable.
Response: 10:16:07
